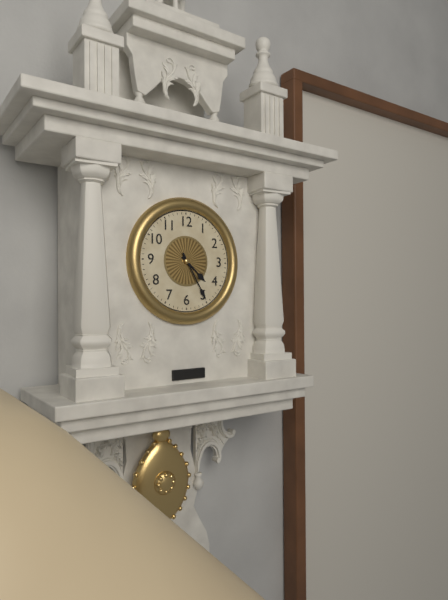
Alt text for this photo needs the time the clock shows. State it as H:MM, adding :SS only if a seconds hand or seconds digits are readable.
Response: 4:25
